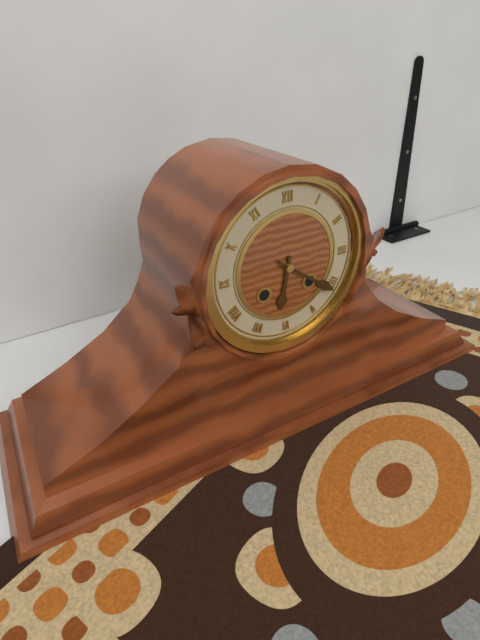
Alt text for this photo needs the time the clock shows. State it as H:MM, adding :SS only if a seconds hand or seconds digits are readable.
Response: 6:21
